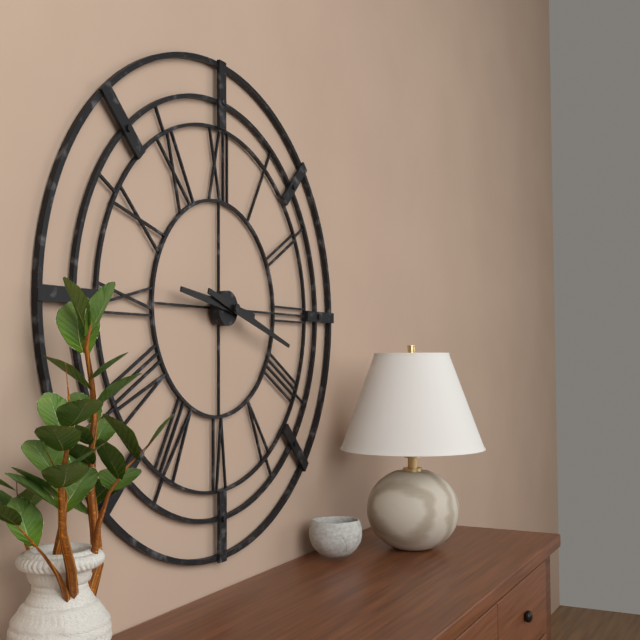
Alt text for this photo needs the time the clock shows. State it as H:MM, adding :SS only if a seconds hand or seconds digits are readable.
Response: 9:18
